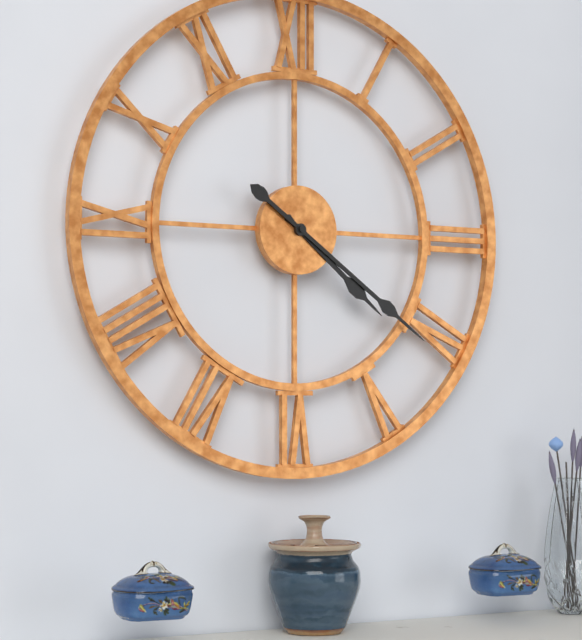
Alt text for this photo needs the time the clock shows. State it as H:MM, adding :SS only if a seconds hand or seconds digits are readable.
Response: 4:21
